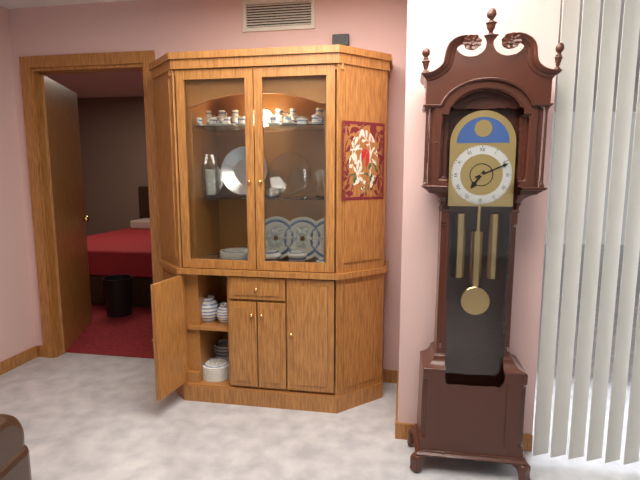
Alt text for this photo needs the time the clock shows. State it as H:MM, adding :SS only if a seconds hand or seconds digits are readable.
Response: 7:11
